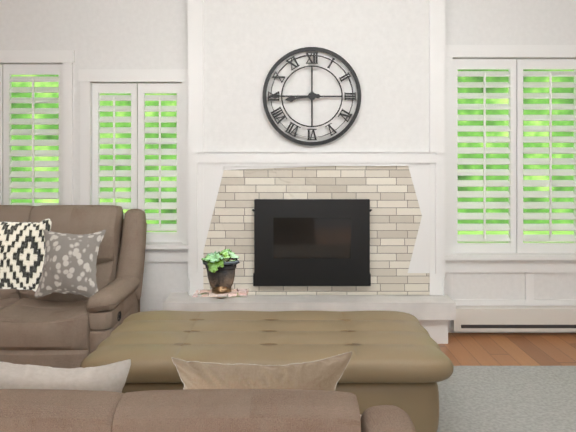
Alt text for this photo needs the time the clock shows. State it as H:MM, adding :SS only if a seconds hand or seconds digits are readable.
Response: 8:45
